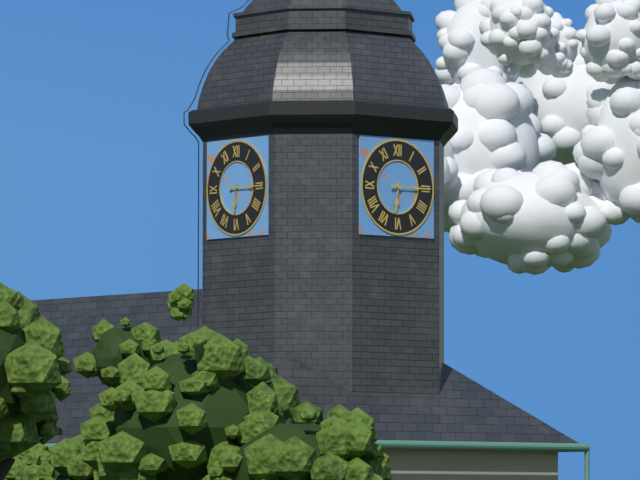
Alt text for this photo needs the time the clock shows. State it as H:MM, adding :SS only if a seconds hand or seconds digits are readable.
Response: 6:15
